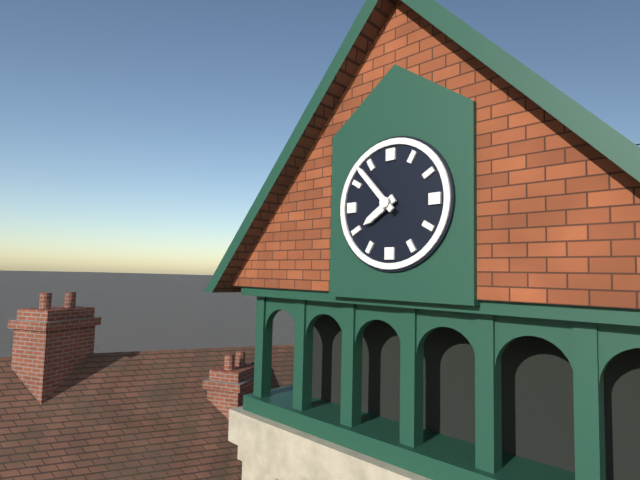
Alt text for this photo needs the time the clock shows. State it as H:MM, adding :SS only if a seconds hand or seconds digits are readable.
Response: 7:53
